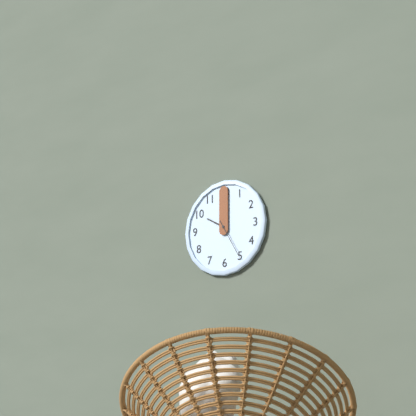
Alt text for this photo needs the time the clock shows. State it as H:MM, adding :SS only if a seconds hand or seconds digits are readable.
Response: 10:00
